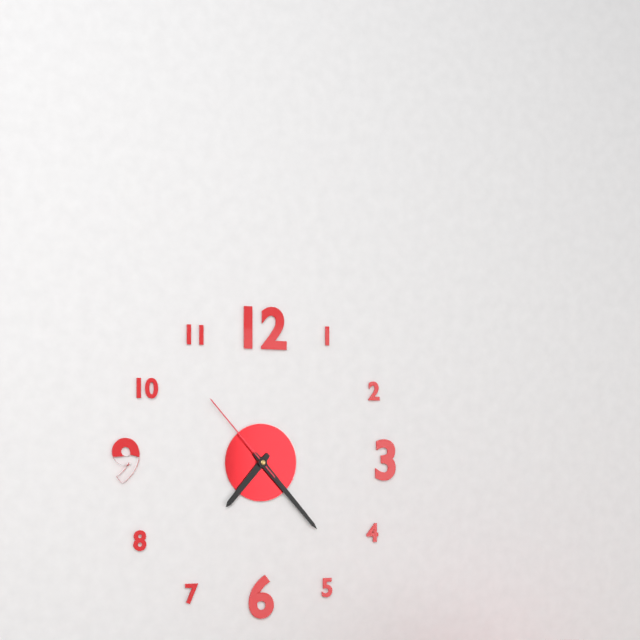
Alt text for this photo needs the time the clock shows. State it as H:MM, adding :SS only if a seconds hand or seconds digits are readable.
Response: 7:23:53
